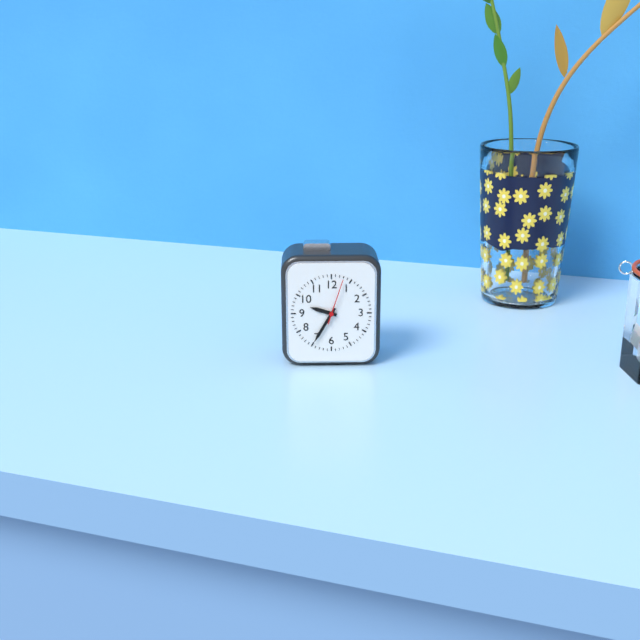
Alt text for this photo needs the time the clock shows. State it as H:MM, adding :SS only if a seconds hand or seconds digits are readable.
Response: 9:35
